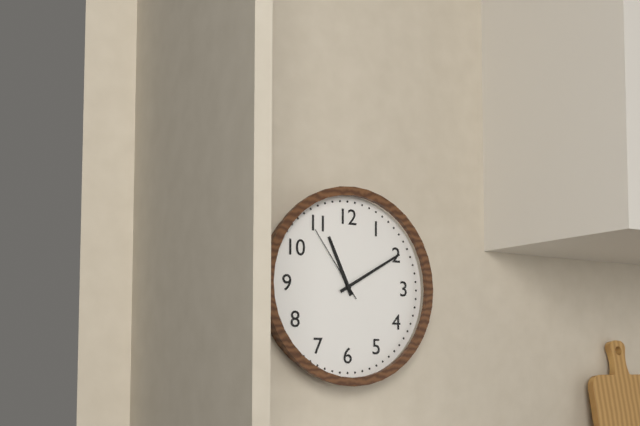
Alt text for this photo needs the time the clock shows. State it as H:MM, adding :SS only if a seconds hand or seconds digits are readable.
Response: 11:10:54
